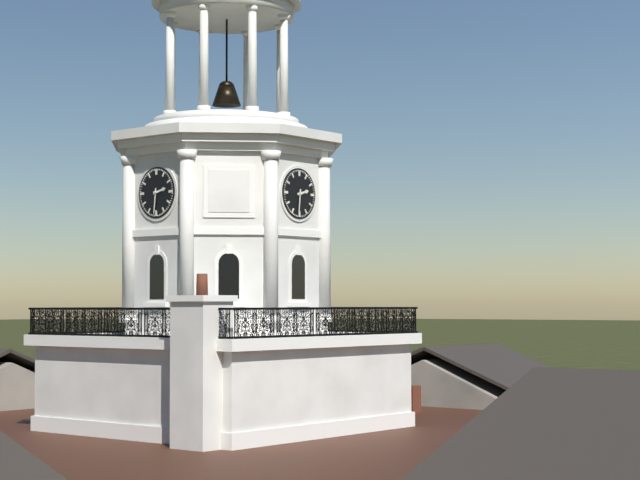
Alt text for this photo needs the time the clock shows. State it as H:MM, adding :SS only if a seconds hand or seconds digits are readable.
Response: 2:31
